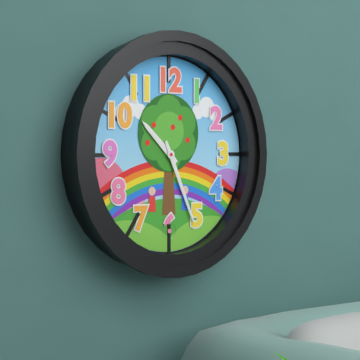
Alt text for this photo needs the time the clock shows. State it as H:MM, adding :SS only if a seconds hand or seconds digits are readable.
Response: 10:26
